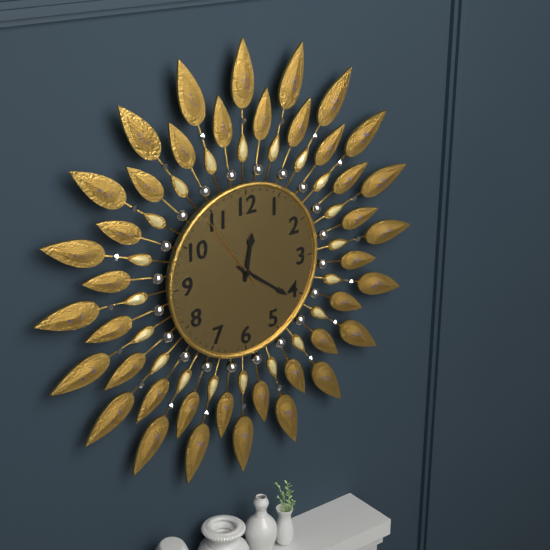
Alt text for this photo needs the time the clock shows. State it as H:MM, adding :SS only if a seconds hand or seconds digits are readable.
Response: 12:21:54
